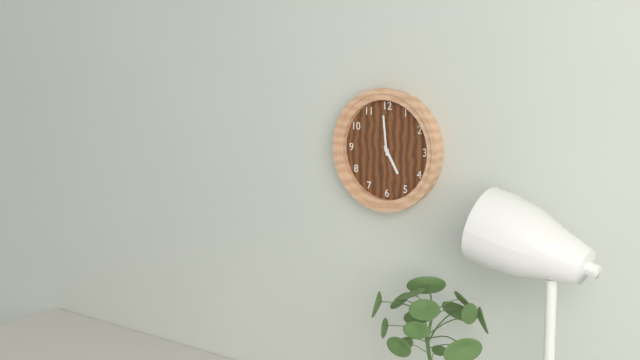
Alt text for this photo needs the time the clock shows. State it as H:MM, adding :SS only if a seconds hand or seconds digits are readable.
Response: 4:59
